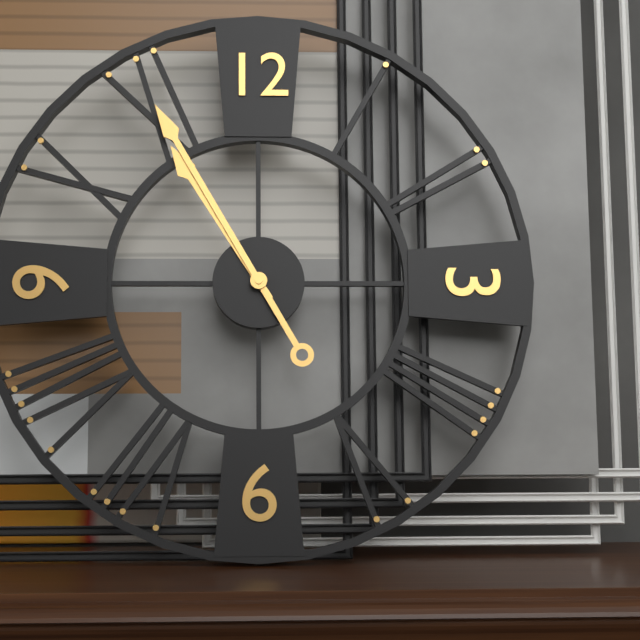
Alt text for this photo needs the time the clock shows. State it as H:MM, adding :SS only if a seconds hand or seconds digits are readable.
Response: 10:55
